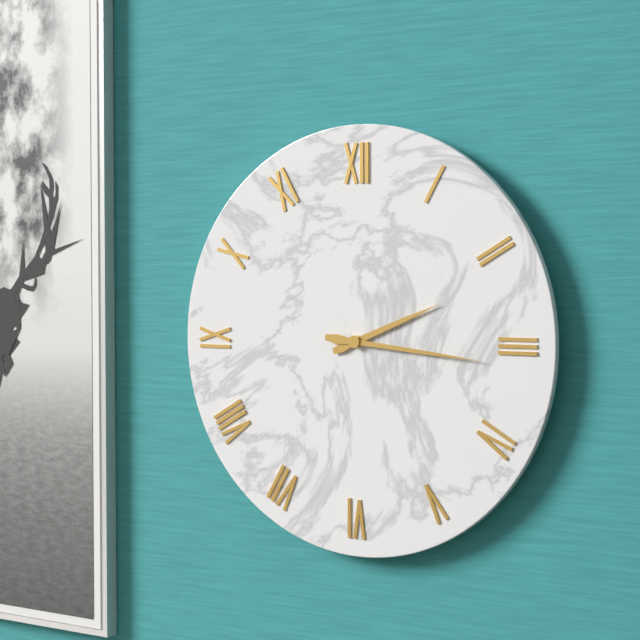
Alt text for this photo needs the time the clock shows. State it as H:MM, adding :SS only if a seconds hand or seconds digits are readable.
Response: 2:16
